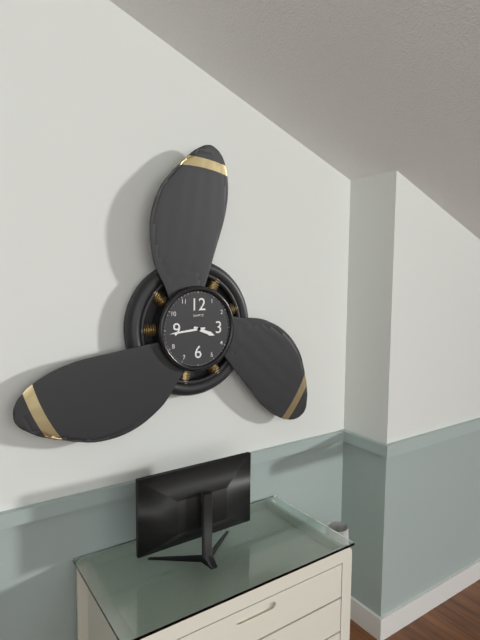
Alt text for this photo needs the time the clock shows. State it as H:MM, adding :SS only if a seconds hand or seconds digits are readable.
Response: 3:44
